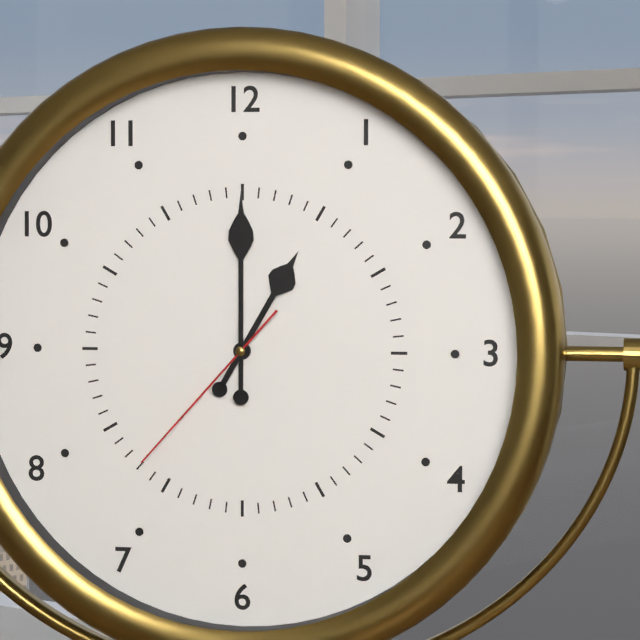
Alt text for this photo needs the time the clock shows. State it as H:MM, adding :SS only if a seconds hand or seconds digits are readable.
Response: 1:00:37
